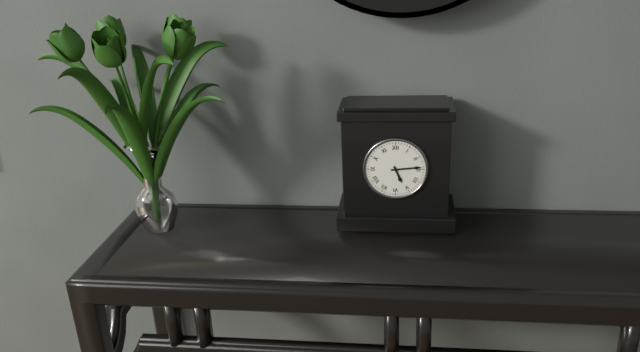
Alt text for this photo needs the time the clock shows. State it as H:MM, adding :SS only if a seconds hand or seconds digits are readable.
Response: 5:14
